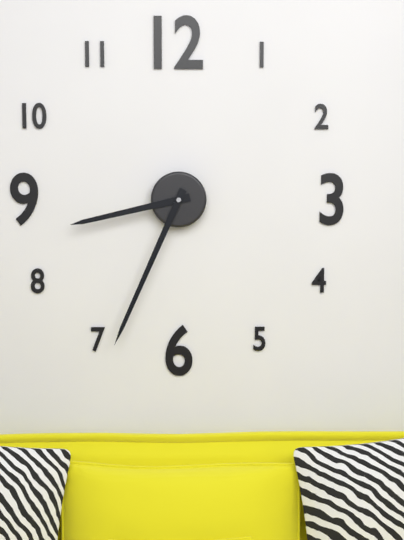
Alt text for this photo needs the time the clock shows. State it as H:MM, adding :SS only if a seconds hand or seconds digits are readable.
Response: 8:34
